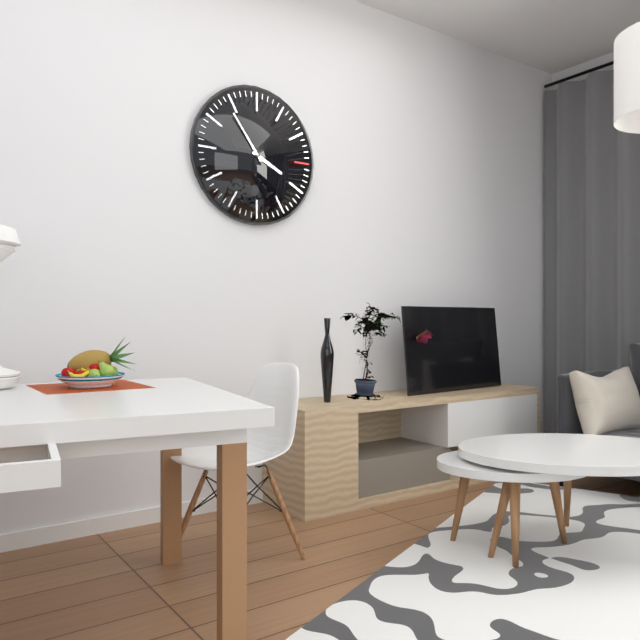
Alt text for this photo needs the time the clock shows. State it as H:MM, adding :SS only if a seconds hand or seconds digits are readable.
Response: 3:54
